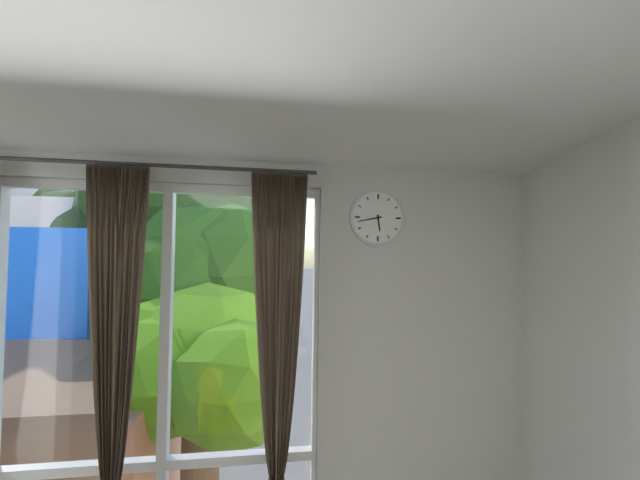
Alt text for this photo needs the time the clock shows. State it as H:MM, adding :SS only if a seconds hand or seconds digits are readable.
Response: 5:43
